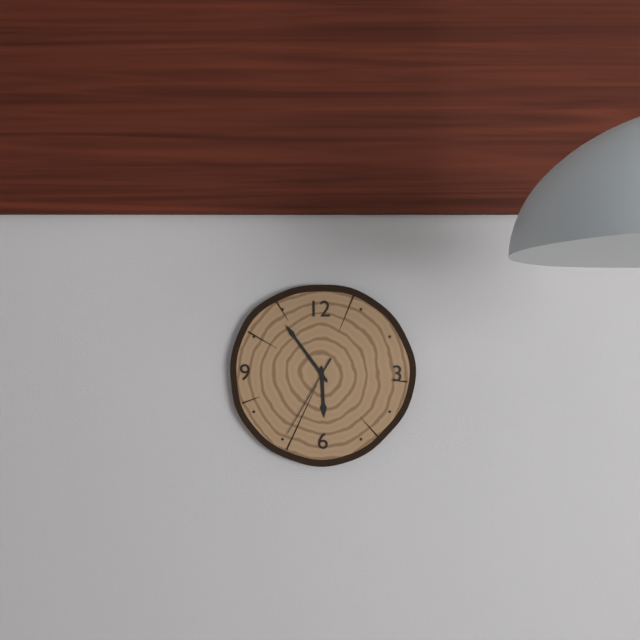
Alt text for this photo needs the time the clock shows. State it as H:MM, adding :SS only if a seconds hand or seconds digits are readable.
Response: 5:54:35
